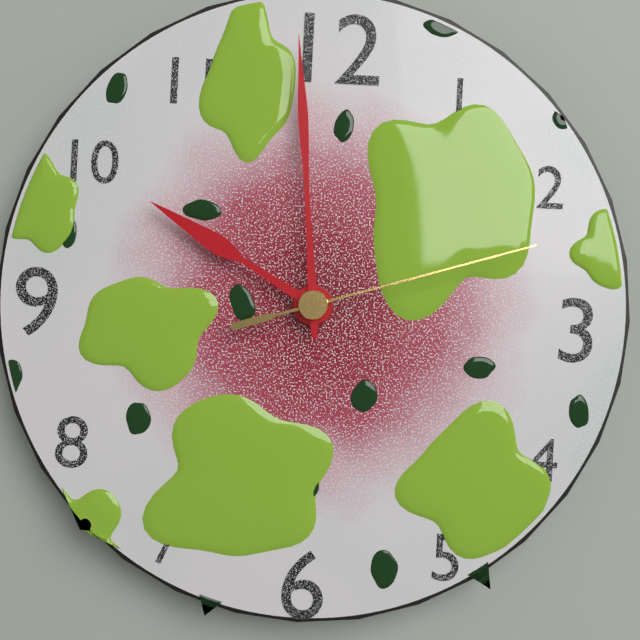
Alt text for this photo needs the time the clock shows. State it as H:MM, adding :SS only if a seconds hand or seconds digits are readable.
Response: 9:59:12
